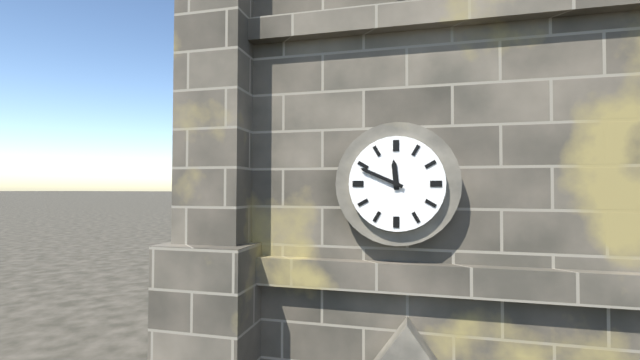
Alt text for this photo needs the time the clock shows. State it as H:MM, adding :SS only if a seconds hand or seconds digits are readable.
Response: 11:49
